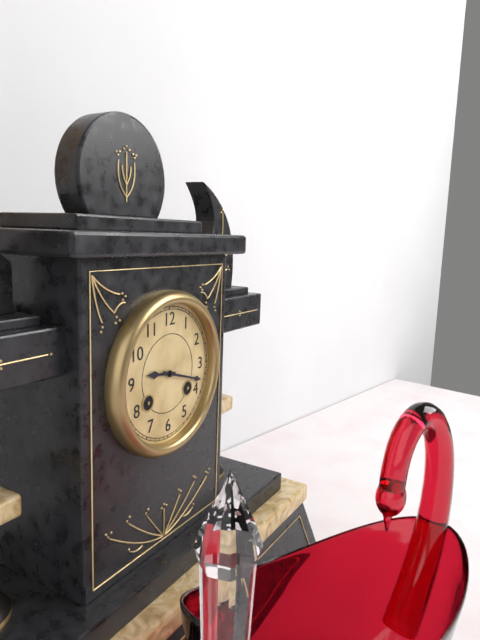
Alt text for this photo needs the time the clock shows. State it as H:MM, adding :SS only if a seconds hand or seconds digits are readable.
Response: 9:18
